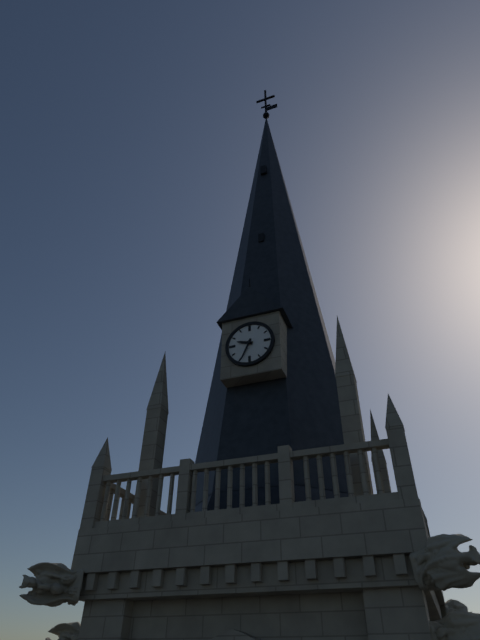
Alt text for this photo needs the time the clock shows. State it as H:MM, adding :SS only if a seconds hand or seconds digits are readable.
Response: 9:34
